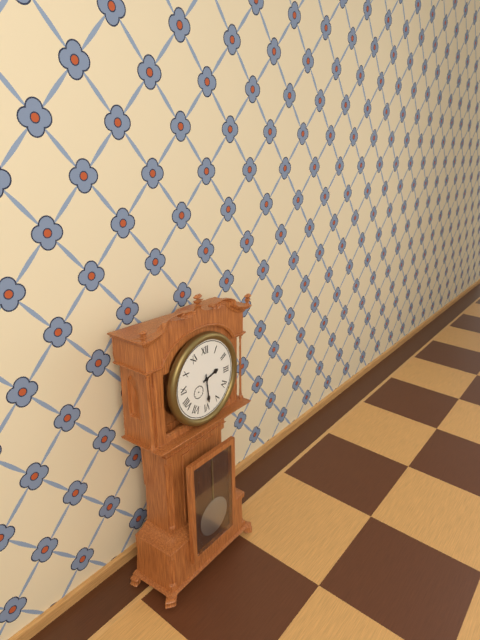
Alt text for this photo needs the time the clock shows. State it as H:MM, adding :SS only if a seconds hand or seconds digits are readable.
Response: 2:29
